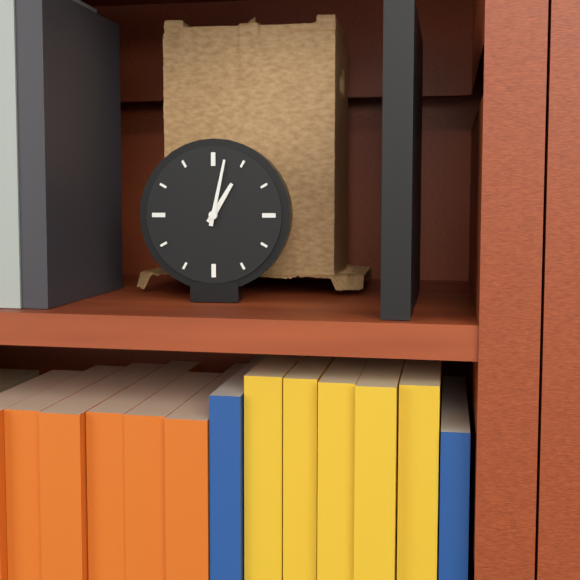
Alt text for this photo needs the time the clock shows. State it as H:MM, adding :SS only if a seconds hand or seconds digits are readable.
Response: 1:02
